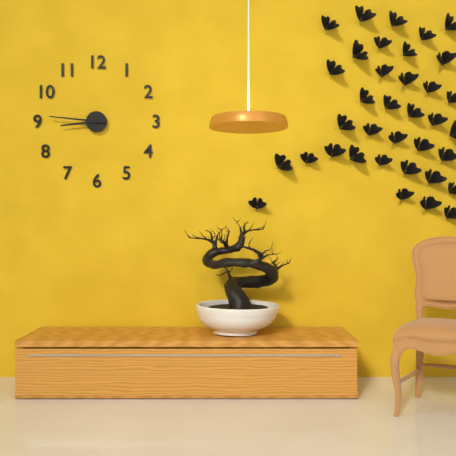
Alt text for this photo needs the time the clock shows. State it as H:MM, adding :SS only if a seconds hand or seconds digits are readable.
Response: 8:46
